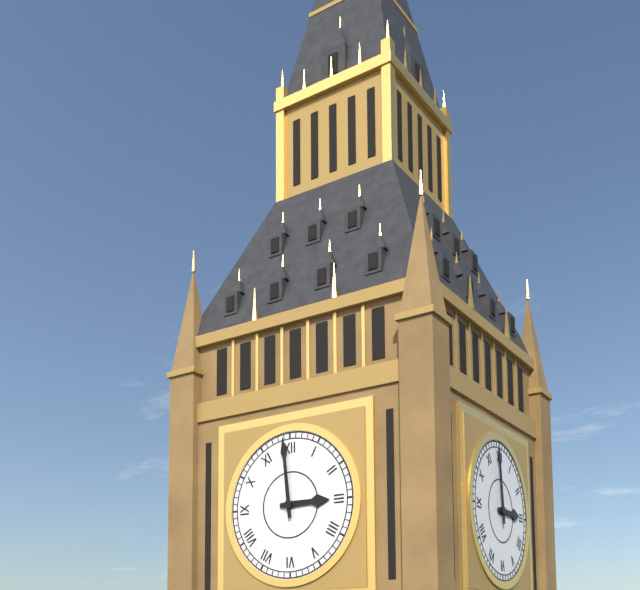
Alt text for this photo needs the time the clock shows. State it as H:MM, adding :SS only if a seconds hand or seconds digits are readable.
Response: 2:59
